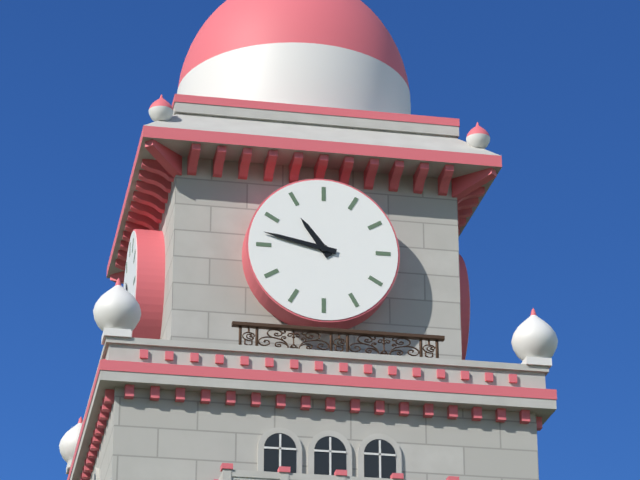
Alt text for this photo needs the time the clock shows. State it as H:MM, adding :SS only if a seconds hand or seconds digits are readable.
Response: 10:47
